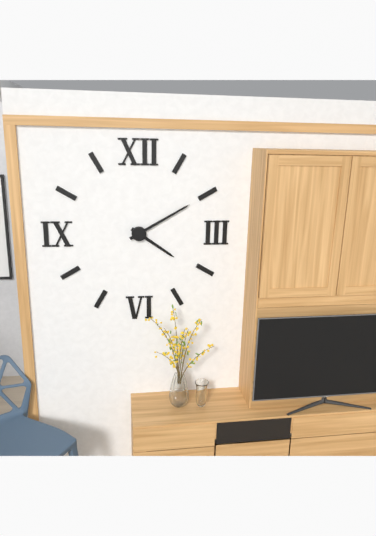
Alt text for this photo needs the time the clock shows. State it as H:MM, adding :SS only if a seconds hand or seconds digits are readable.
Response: 4:10
